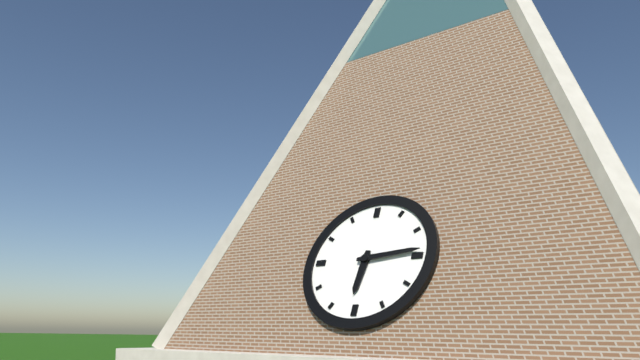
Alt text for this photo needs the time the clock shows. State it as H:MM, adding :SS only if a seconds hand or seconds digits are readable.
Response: 6:14
